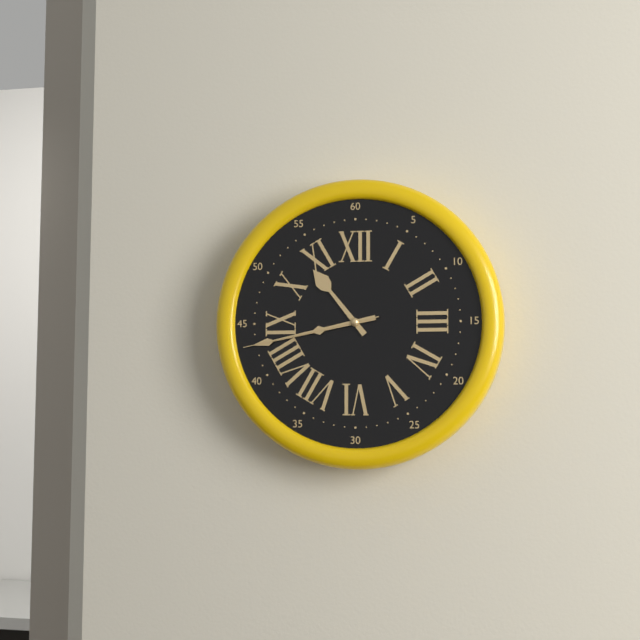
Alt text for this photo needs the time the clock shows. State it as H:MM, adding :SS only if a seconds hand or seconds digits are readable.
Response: 10:43:43
